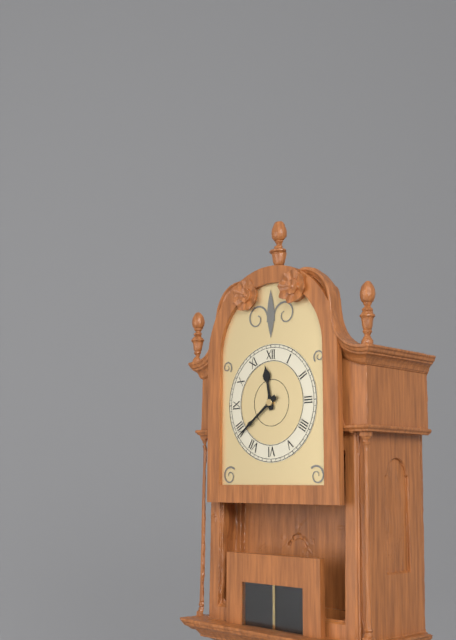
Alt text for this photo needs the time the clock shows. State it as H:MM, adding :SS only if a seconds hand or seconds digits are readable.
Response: 11:39
